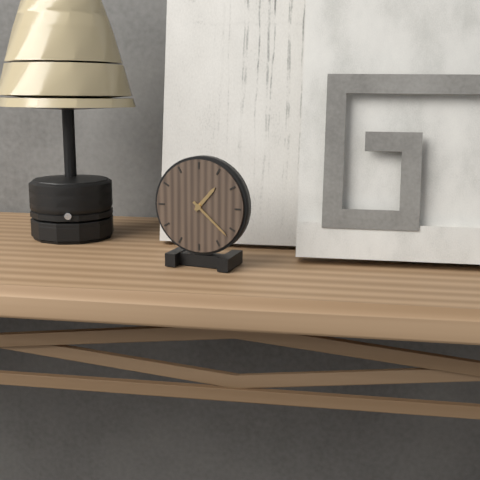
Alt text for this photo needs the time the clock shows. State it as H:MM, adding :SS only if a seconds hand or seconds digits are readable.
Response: 1:22
